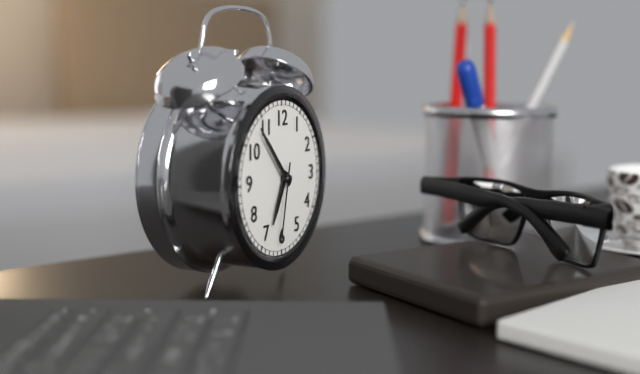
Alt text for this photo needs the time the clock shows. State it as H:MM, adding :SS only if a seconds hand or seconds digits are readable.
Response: 6:53:32
